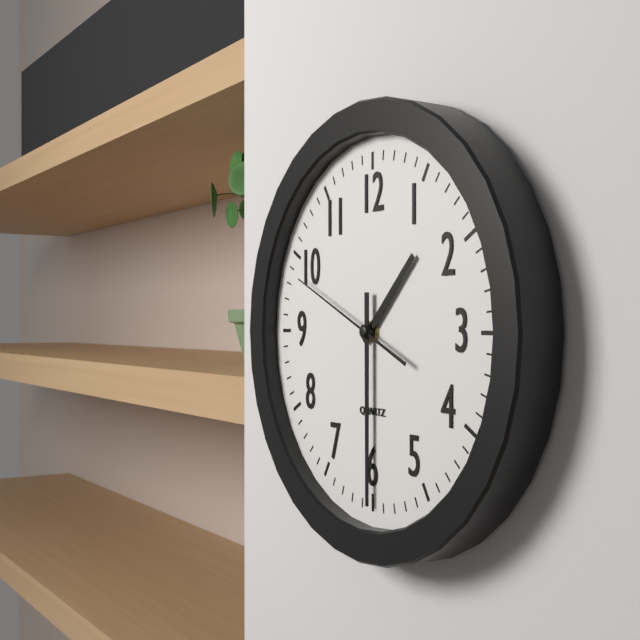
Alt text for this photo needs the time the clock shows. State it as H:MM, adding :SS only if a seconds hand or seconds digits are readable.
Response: 1:30:49
